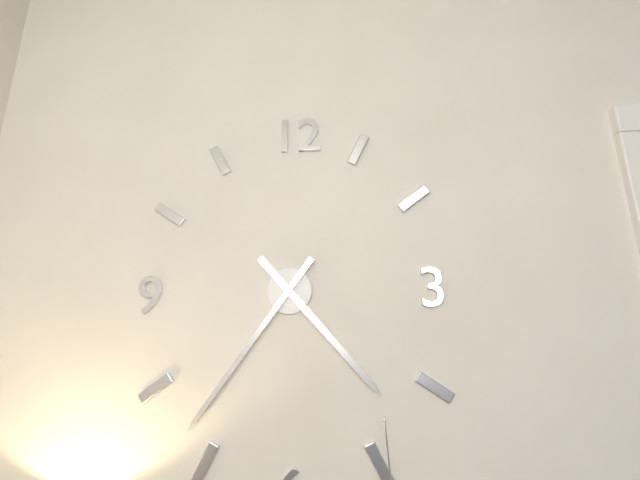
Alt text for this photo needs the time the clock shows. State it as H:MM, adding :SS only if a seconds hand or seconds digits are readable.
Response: 4:36
